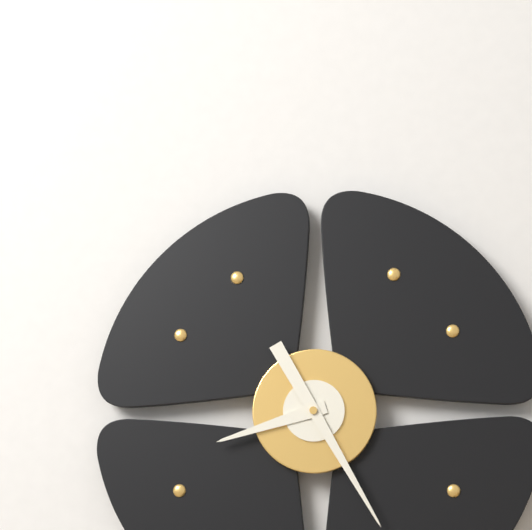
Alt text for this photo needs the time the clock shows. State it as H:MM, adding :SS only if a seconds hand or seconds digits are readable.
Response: 8:25
